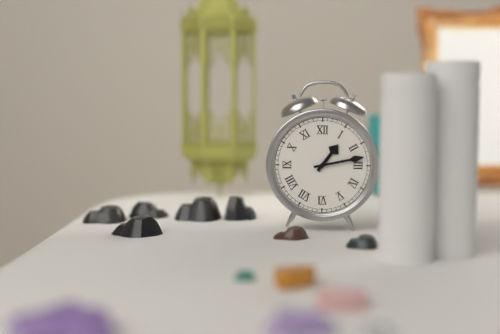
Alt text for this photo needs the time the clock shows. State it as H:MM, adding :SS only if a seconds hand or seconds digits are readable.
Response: 1:13
